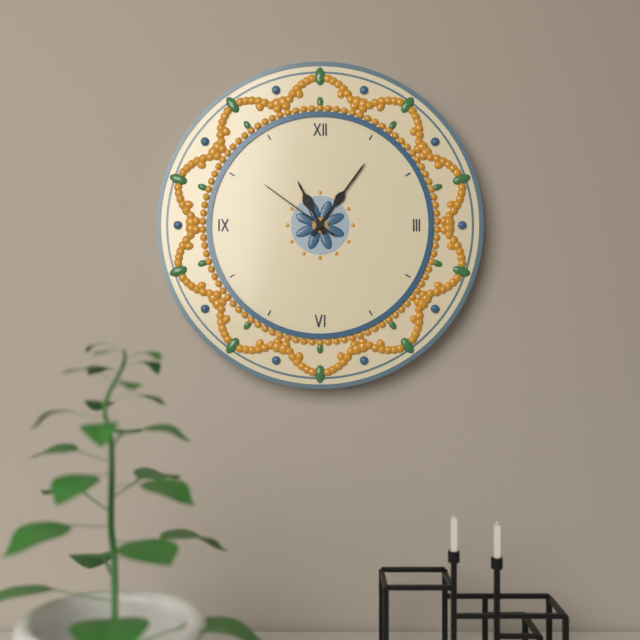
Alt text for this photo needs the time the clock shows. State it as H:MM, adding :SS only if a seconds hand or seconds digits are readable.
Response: 11:06:51
